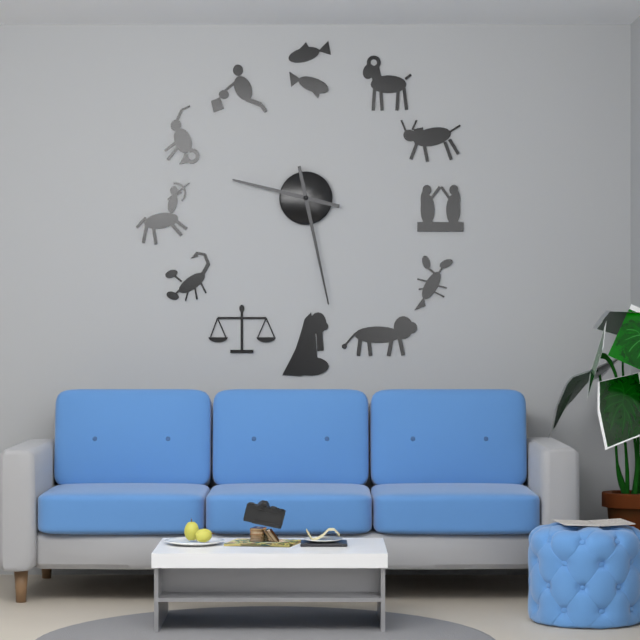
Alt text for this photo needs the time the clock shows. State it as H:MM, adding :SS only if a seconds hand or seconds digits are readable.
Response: 9:28
